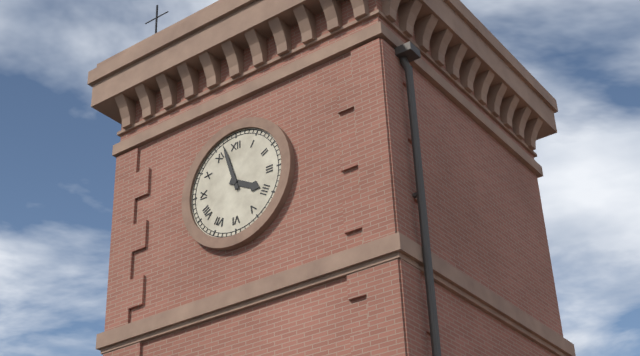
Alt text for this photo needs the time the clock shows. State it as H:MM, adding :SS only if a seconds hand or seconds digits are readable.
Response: 3:57
